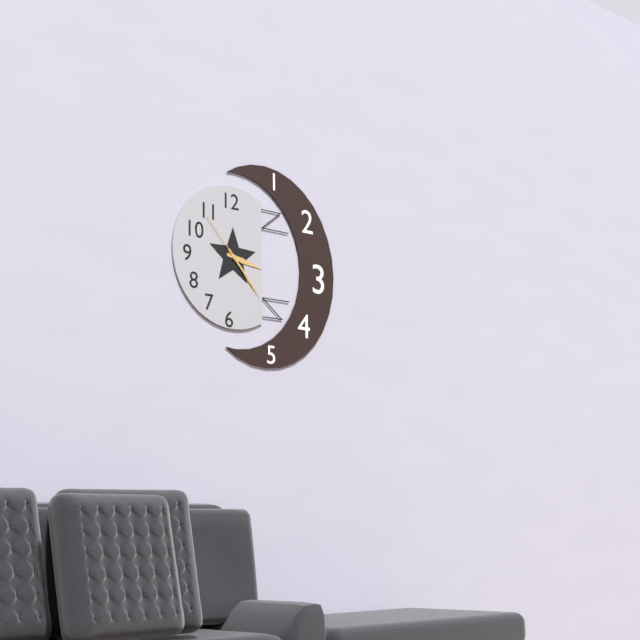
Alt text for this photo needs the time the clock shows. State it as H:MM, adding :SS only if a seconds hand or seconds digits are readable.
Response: 3:23:53
